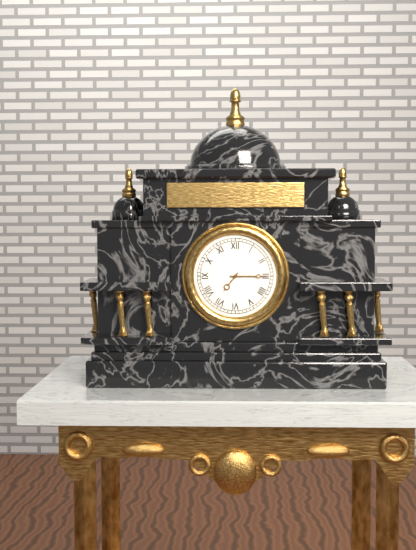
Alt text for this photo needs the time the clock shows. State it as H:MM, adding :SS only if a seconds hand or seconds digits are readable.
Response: 7:15
